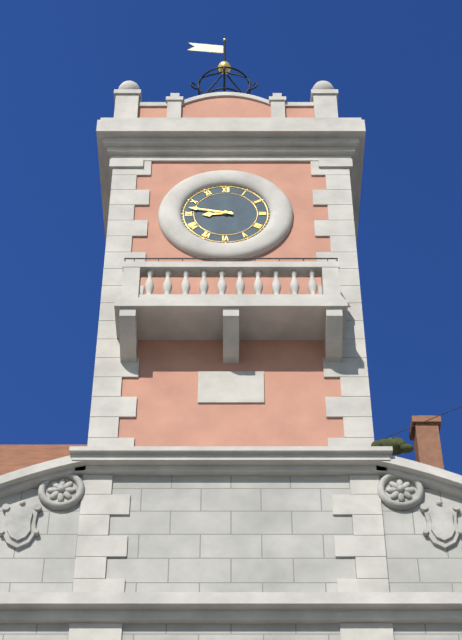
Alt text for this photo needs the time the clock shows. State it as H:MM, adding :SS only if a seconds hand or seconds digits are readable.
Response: 8:47
